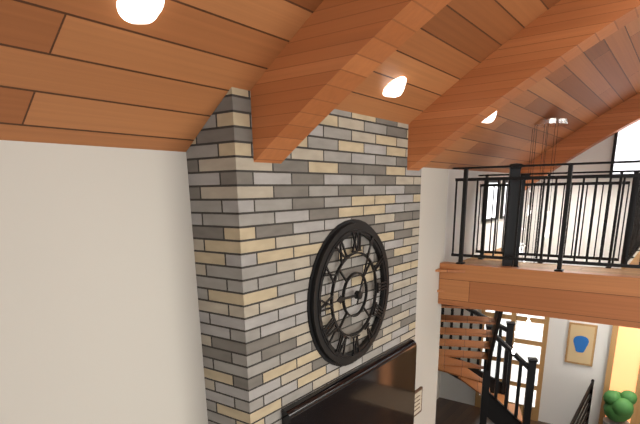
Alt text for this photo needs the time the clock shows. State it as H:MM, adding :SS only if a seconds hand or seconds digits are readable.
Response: 9:04
